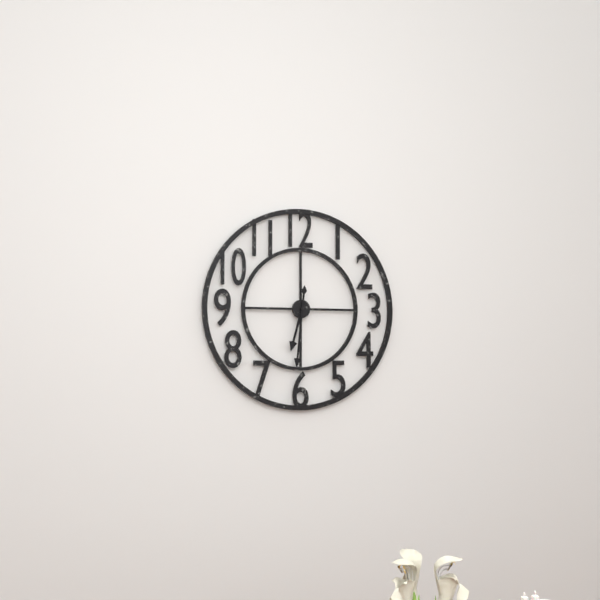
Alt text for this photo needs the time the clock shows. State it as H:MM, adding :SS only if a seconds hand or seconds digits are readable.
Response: 6:31
